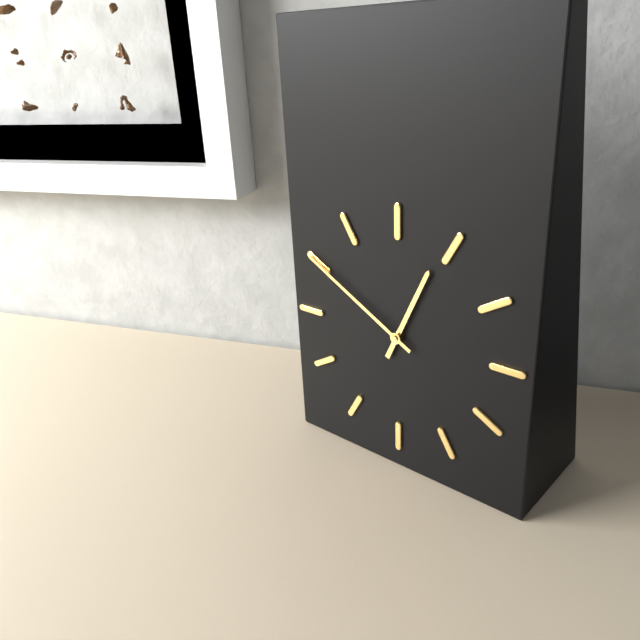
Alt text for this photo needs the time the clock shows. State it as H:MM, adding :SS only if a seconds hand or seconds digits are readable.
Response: 12:50
